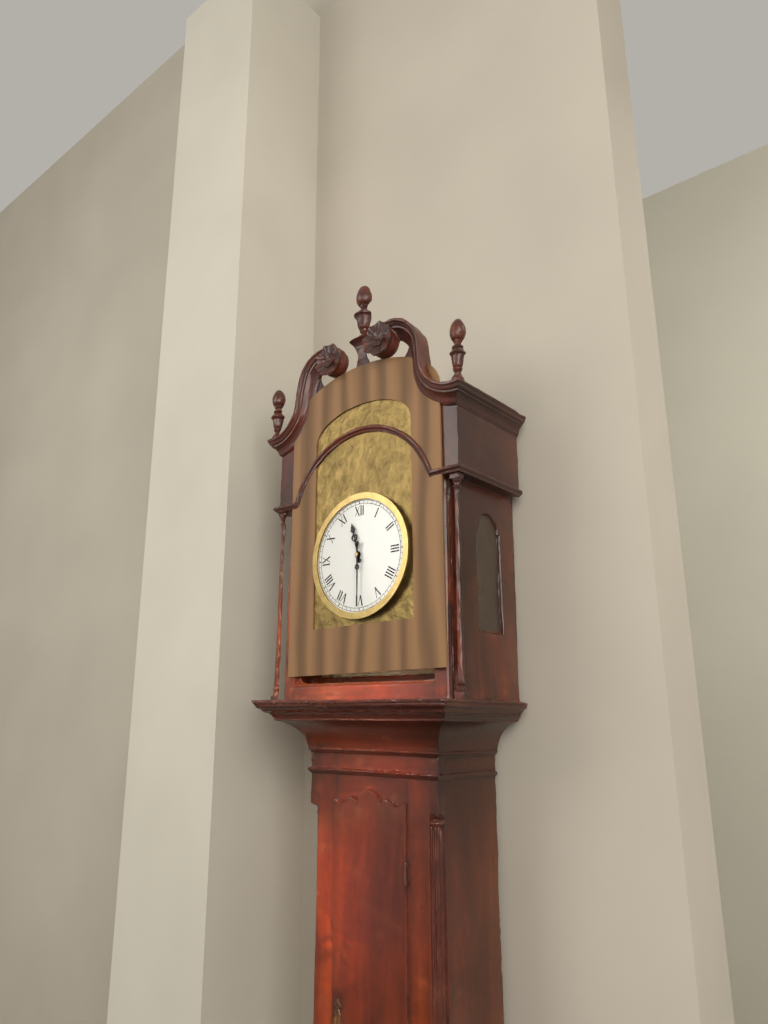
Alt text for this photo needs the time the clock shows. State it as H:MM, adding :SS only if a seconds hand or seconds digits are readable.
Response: 11:30
